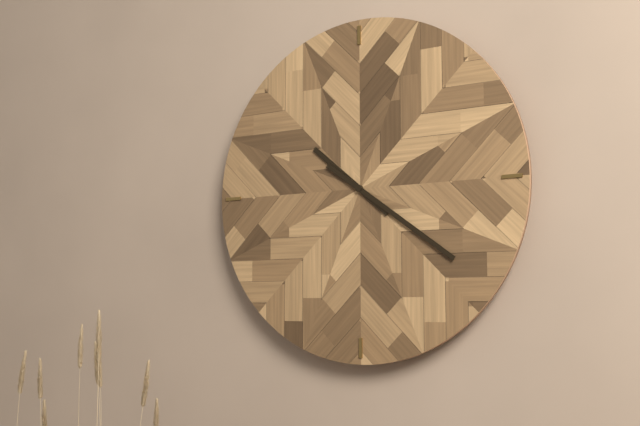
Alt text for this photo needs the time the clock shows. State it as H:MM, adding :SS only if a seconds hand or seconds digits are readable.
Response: 10:21
